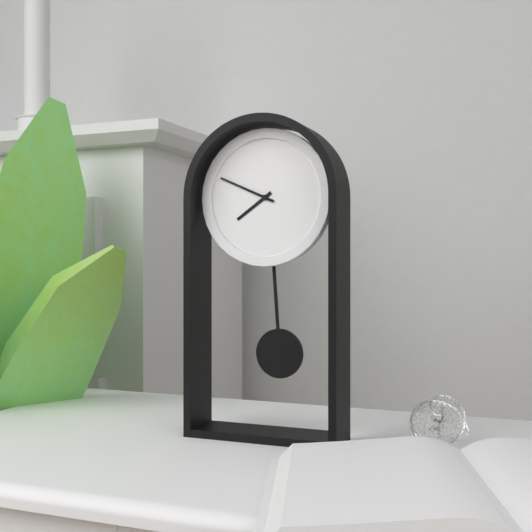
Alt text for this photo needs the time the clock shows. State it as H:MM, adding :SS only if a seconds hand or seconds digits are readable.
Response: 7:49
